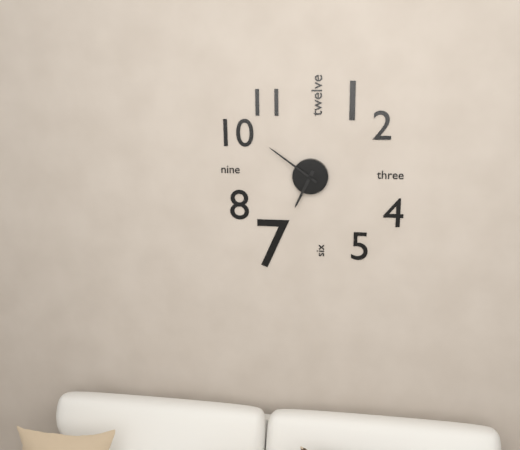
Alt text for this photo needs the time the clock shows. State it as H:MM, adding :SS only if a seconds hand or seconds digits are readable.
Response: 6:51
